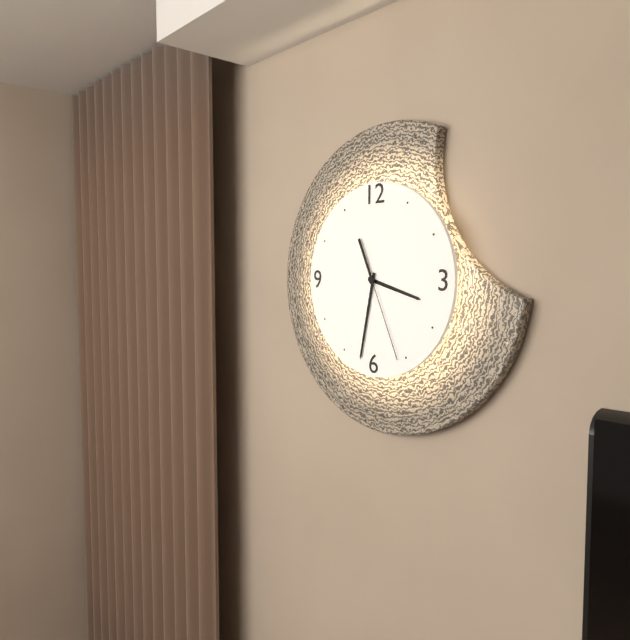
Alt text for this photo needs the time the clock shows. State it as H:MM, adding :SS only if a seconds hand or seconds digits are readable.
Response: 3:32:26
